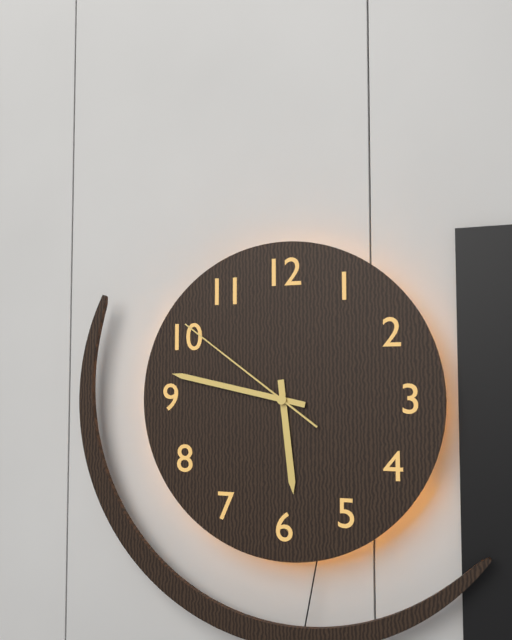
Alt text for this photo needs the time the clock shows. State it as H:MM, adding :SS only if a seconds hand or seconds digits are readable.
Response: 5:47:51
